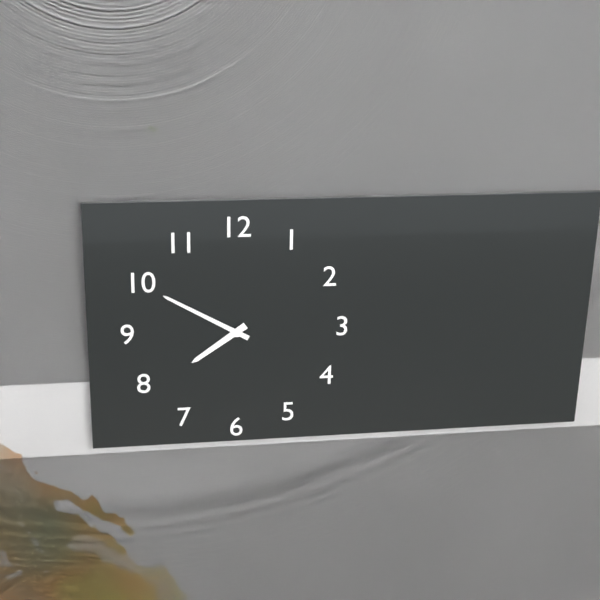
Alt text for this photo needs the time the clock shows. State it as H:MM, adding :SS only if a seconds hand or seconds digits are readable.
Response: 7:50
